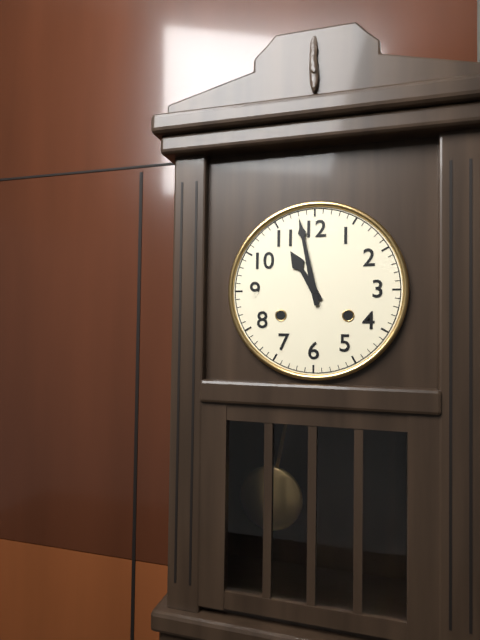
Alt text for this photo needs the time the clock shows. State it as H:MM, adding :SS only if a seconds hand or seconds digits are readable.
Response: 10:58
